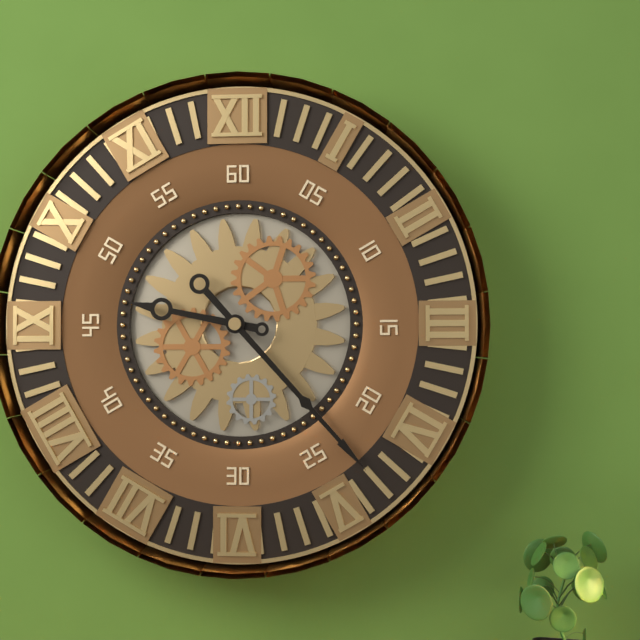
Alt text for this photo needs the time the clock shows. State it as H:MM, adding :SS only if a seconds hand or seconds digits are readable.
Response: 9:23
